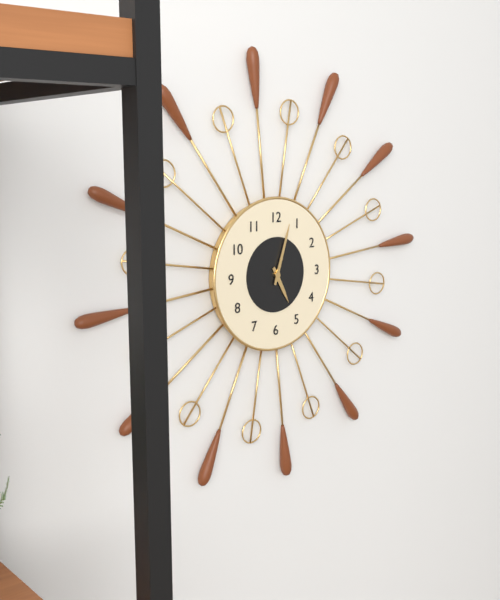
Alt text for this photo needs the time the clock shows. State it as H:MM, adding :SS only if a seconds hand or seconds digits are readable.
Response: 5:03
